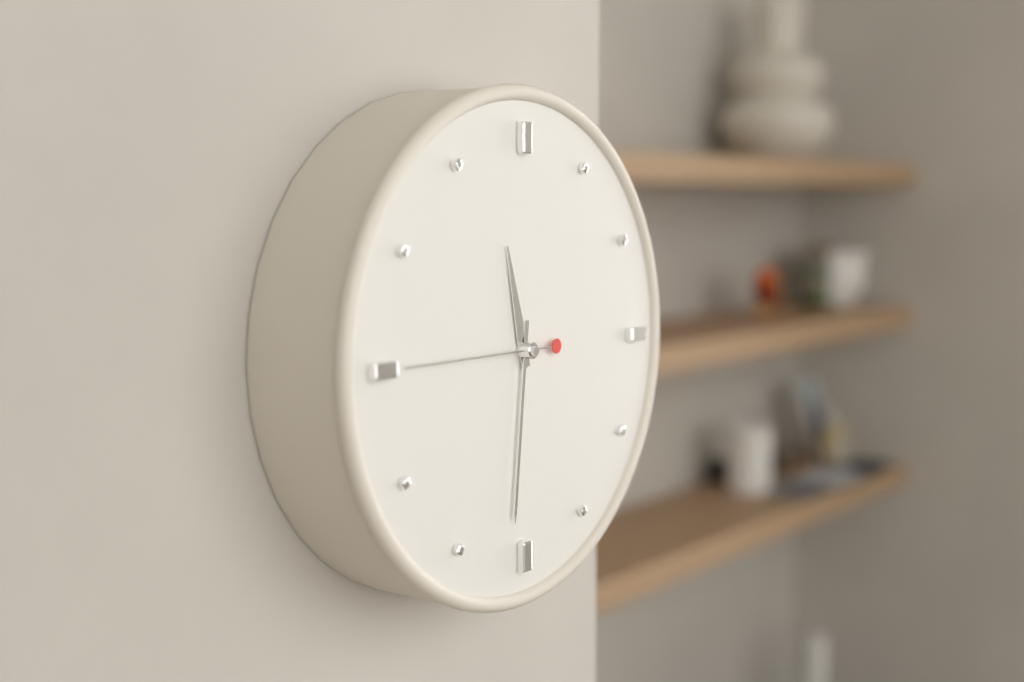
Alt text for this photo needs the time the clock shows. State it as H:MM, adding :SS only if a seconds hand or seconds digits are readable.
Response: 11:31:45
